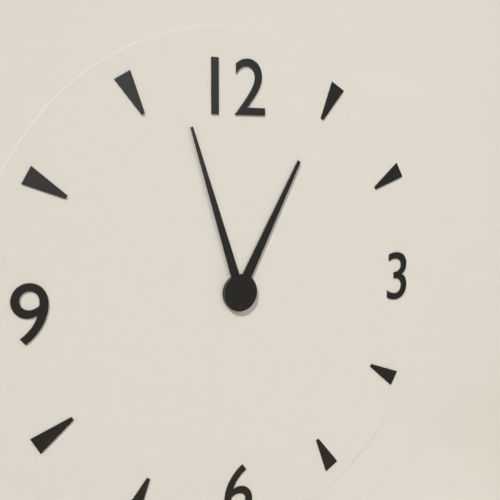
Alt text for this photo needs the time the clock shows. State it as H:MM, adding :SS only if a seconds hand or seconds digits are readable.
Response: 12:57
